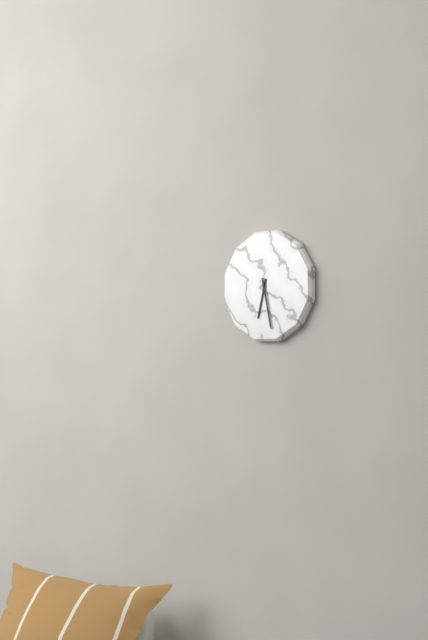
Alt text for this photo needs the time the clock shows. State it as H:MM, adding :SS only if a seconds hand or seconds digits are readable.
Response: 6:28
